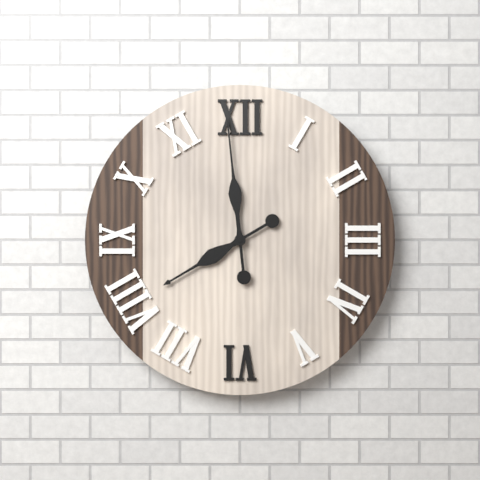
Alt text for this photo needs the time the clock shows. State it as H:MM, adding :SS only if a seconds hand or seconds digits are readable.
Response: 7:59
